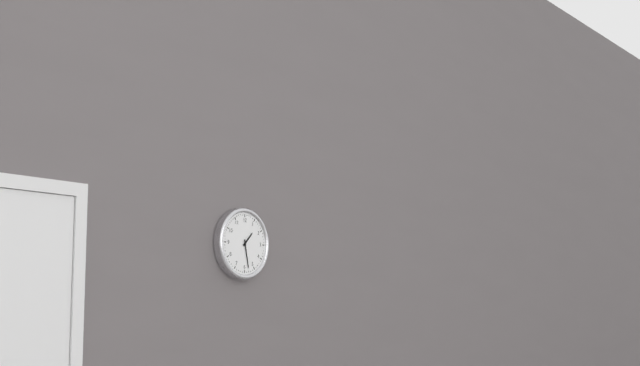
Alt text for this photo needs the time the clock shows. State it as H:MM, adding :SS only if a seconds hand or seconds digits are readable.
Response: 1:28
